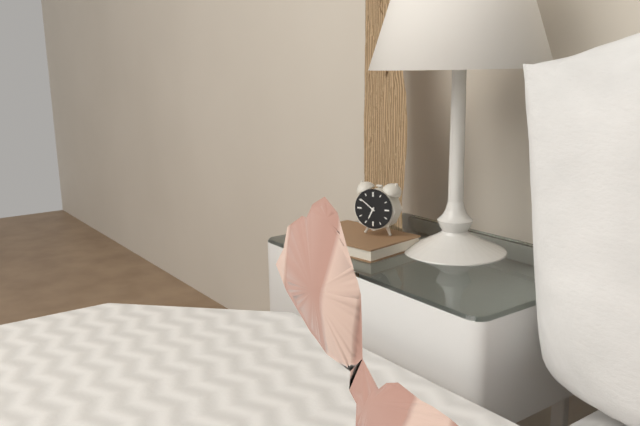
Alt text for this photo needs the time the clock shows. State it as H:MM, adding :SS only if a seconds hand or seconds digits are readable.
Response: 6:51
